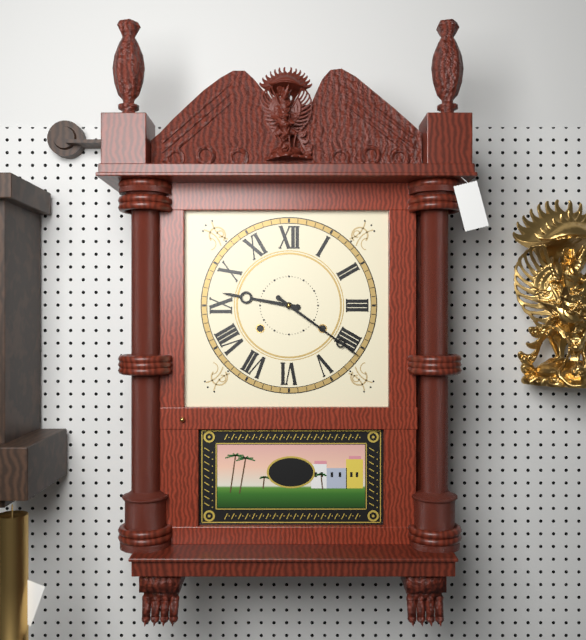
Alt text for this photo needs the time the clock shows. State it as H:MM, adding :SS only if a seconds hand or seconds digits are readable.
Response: 9:21
